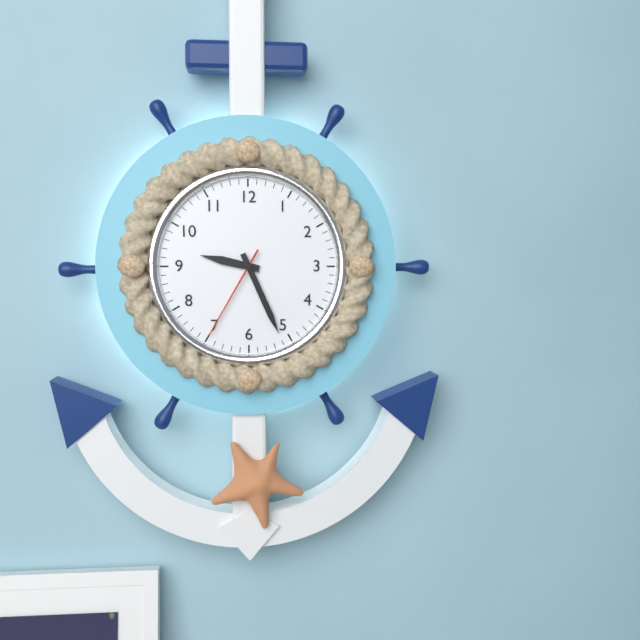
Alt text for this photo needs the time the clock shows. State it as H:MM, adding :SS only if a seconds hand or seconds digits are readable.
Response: 9:26:35
